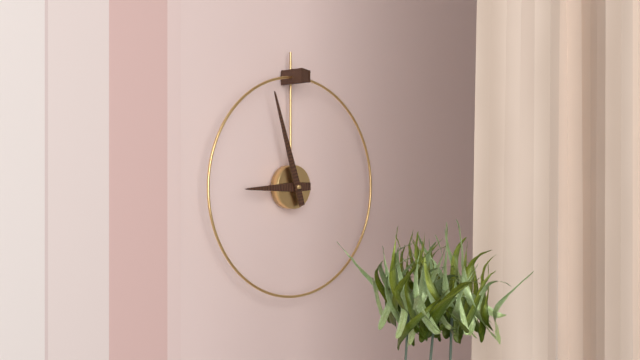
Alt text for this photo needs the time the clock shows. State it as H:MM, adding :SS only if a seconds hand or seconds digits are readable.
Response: 8:57
